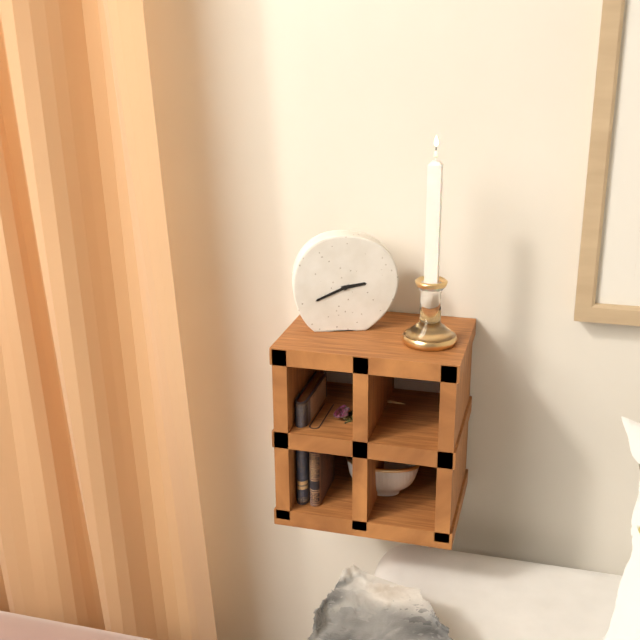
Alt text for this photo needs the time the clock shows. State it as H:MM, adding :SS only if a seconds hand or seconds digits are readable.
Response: 2:41
